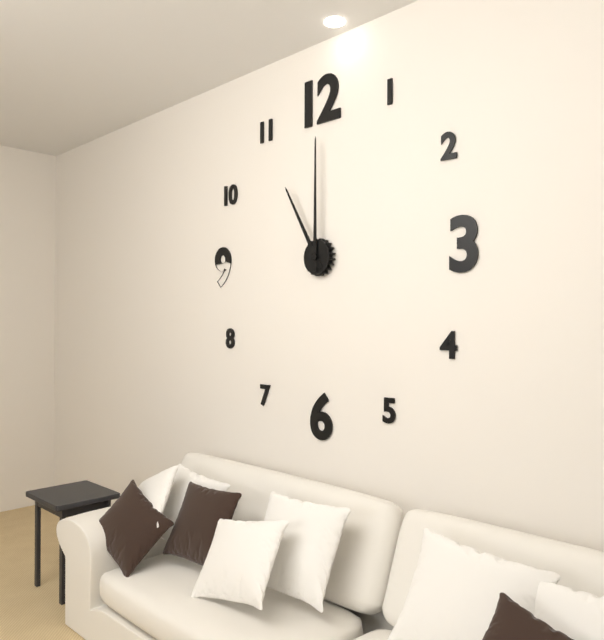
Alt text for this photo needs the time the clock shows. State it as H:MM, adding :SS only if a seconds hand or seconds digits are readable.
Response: 11:00
